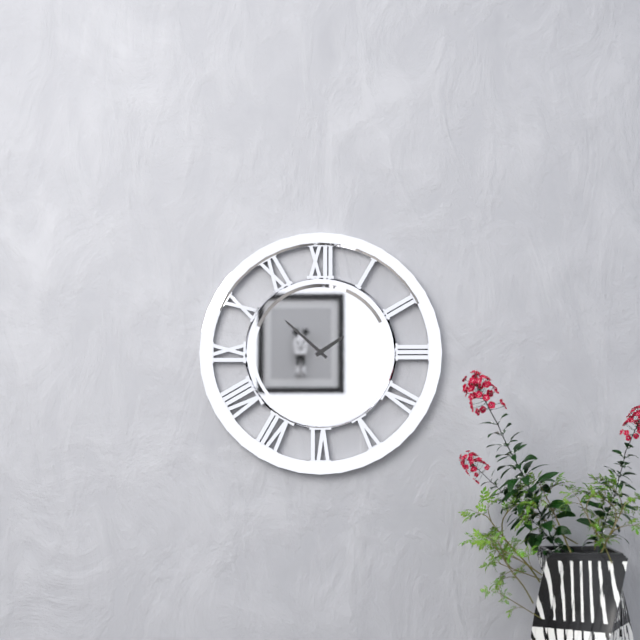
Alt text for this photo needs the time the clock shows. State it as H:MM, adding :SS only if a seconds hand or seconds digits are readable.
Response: 1:52
